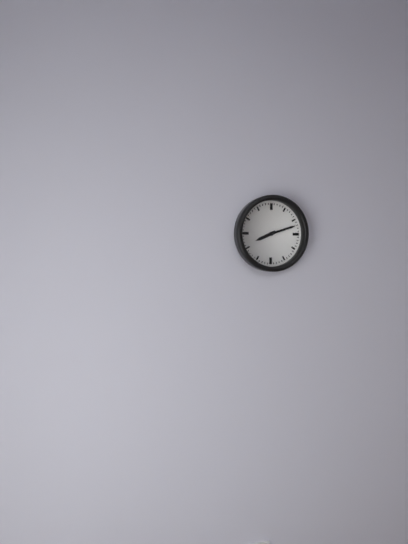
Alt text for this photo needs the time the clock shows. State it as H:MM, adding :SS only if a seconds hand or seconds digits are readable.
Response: 8:12
